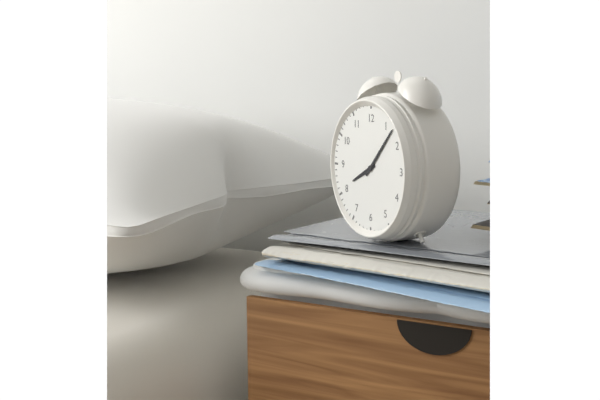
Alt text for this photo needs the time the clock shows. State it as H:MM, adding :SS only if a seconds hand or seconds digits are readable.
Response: 8:07
